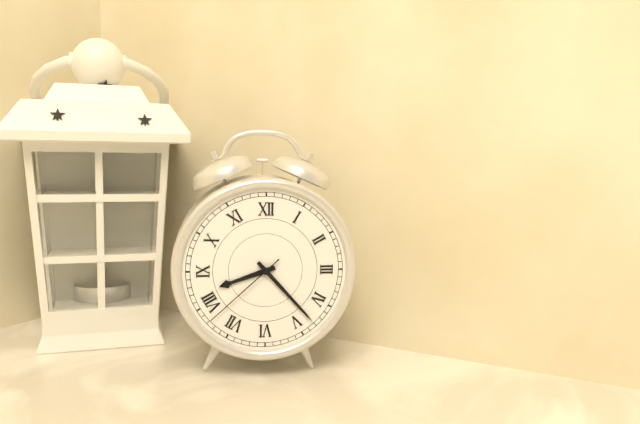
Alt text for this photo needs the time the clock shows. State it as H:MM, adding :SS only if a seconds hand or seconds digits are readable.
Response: 8:23:38
